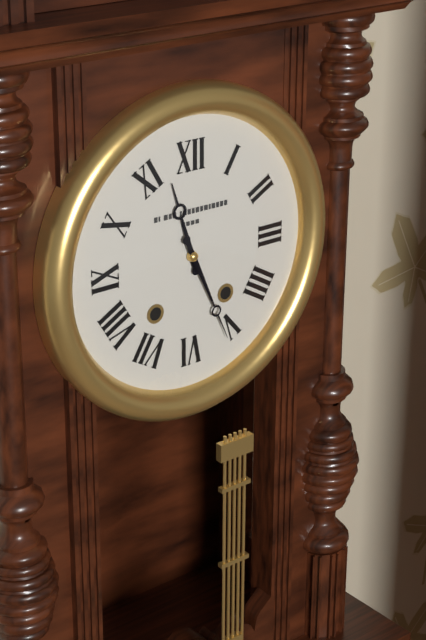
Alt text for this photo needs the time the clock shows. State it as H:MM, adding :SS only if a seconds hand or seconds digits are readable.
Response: 11:26
